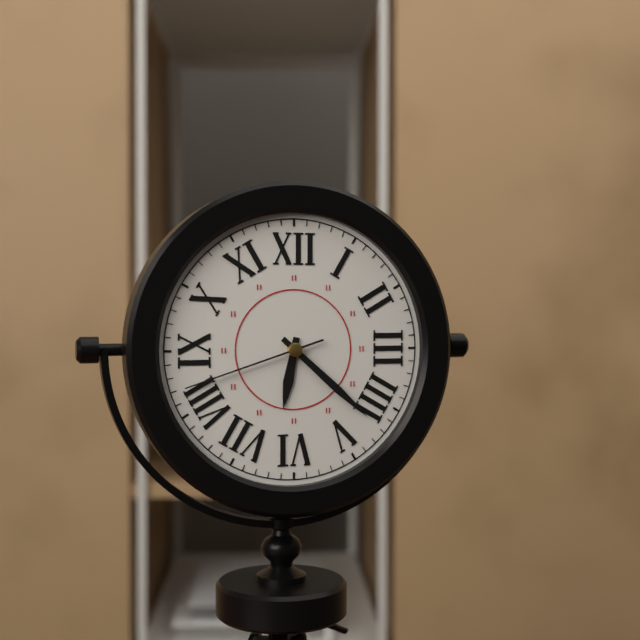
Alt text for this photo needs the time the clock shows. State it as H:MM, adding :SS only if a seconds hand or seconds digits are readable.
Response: 6:22:42
